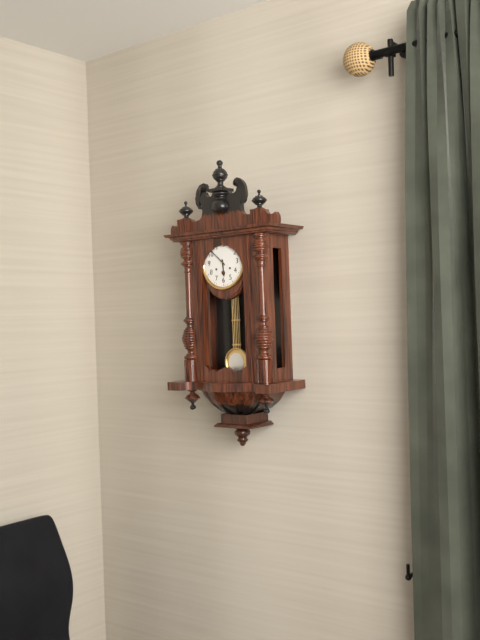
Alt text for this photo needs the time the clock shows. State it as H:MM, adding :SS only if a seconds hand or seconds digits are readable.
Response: 5:52
